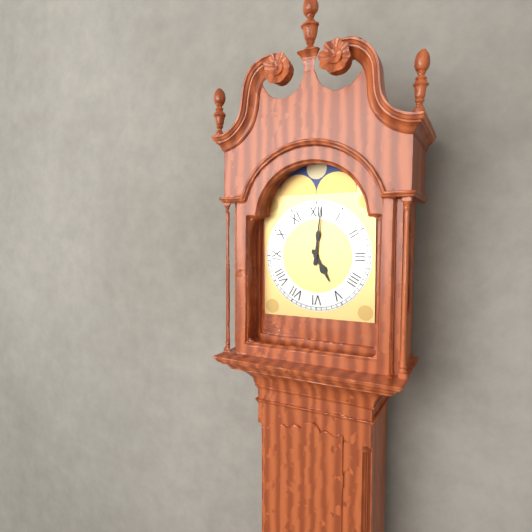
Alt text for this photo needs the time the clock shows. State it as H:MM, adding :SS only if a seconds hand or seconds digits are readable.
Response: 5:01
